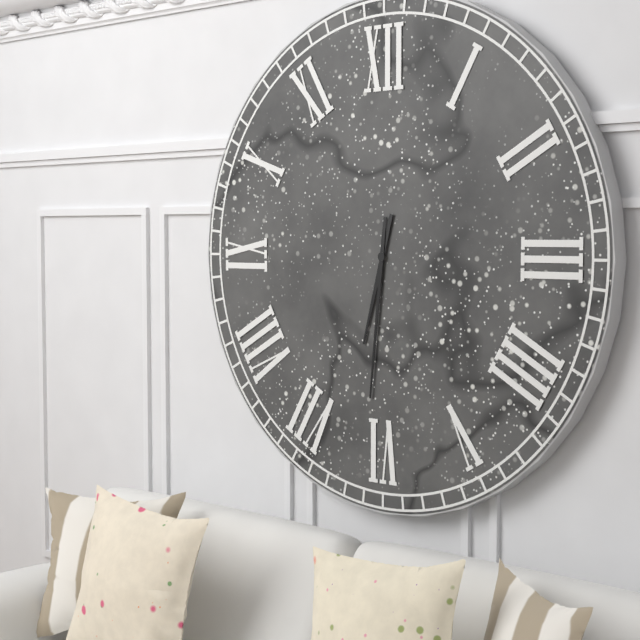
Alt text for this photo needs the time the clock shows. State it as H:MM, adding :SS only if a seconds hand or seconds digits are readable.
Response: 6:31
